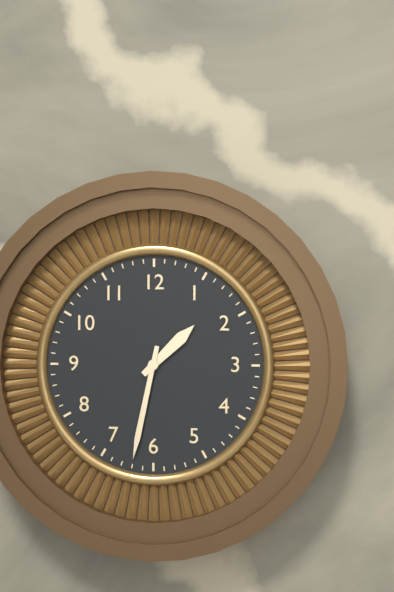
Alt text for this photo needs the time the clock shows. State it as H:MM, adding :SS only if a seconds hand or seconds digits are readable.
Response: 1:32
